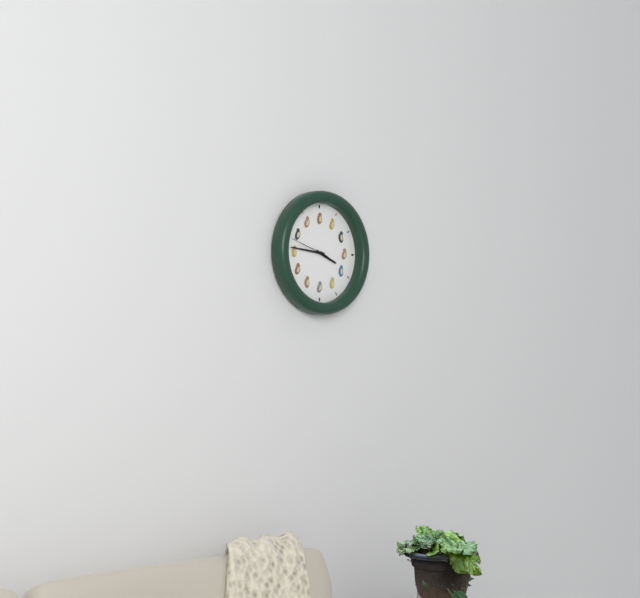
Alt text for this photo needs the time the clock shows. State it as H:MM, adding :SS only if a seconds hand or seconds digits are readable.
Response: 3:46
